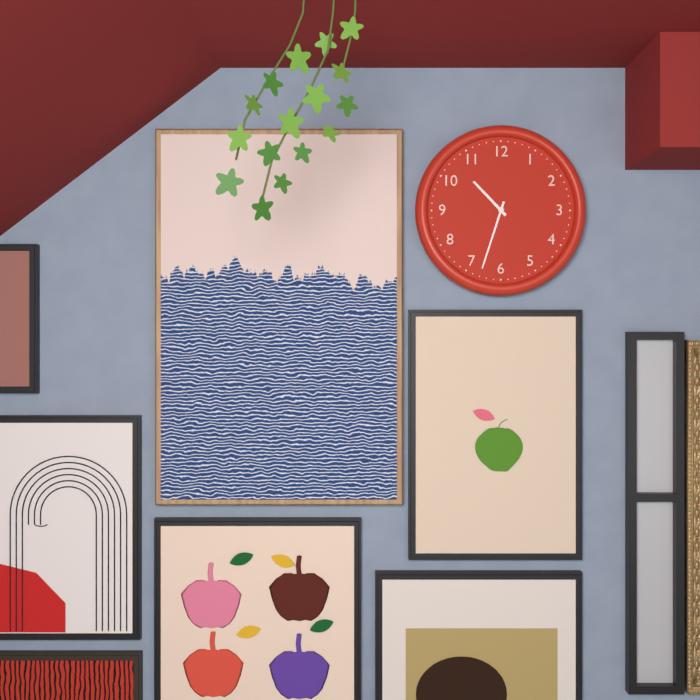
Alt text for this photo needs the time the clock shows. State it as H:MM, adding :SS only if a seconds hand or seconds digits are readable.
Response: 10:33
